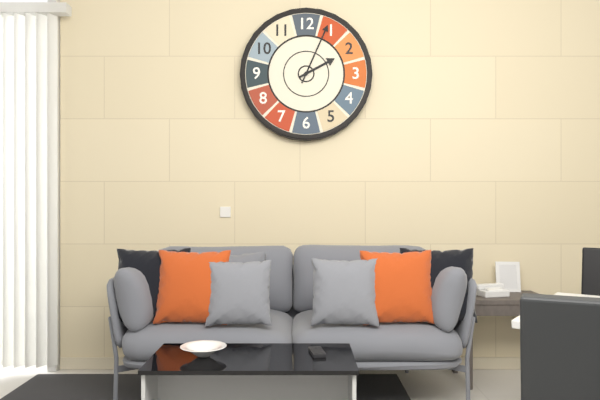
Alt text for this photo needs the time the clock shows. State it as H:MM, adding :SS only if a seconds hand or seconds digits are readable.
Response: 2:04
